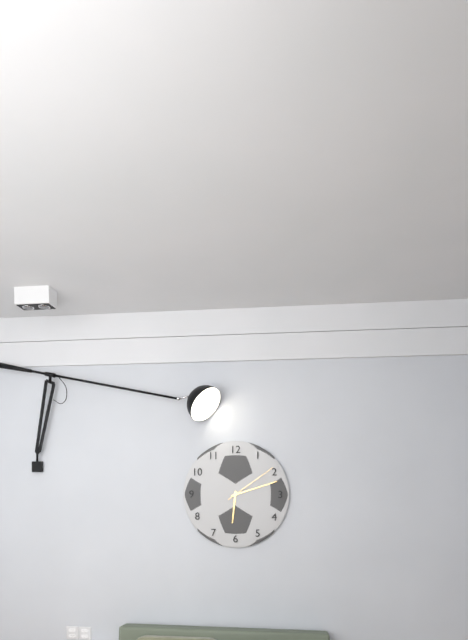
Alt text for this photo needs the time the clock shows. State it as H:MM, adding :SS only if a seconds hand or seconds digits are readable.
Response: 6:12:09
